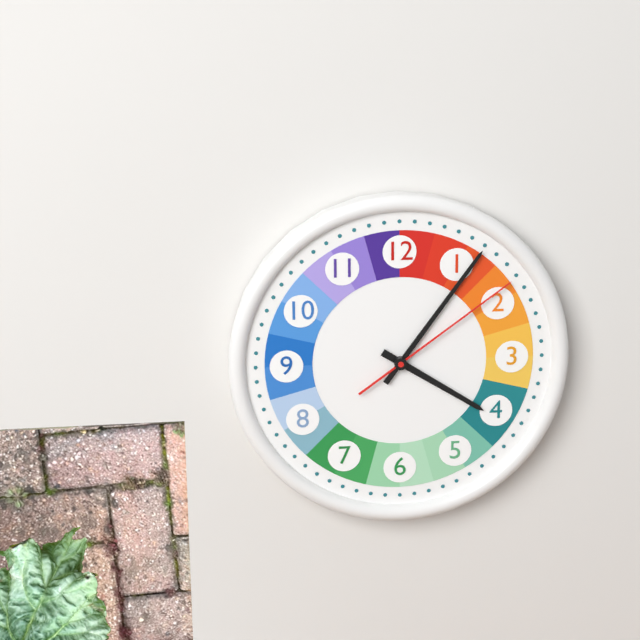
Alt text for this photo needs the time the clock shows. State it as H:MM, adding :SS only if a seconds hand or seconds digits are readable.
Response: 4:06:09
